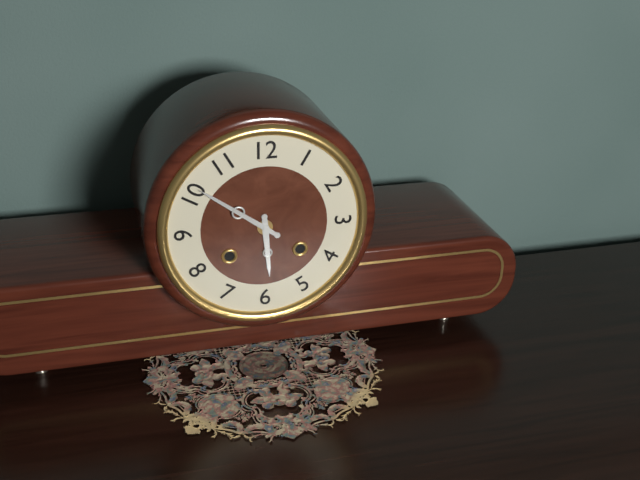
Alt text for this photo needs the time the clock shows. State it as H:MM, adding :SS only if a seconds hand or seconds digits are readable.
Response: 5:51
